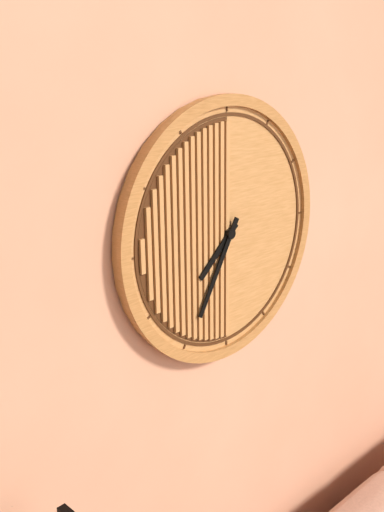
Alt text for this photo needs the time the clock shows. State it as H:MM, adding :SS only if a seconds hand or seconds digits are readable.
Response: 7:35
